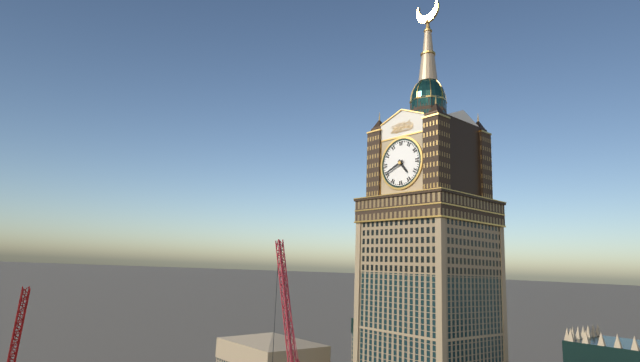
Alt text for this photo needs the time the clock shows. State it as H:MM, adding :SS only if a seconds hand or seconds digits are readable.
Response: 4:41
